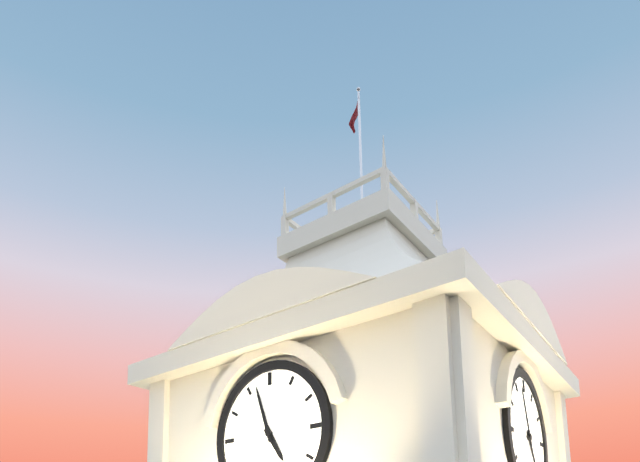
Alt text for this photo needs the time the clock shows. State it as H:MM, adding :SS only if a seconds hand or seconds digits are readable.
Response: 4:57
